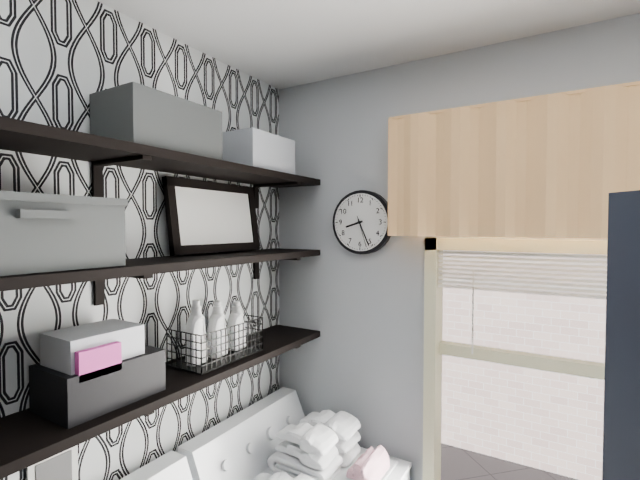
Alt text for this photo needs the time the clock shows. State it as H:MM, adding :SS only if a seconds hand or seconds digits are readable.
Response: 8:26
